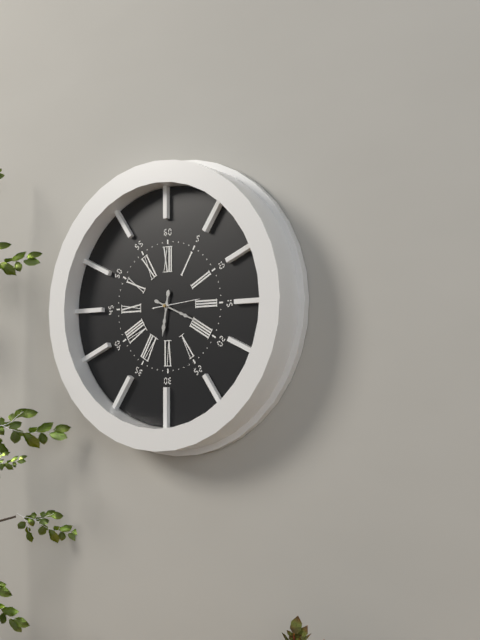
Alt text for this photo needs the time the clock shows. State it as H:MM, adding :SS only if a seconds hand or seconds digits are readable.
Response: 6:19
